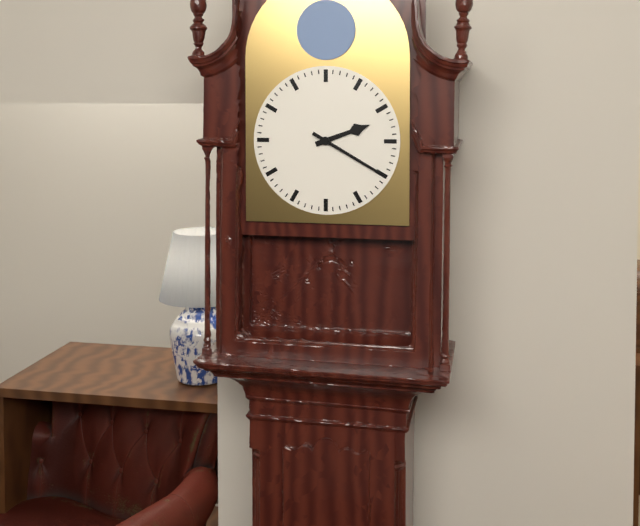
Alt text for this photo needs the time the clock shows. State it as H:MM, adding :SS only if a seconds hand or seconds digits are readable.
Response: 2:20
